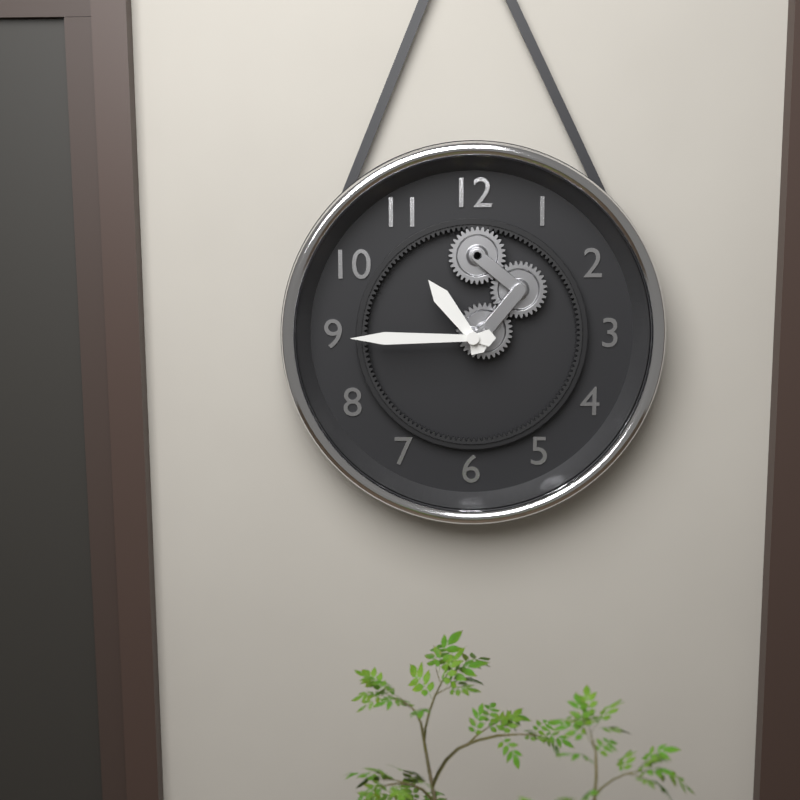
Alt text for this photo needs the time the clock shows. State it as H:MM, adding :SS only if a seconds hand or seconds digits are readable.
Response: 10:45
